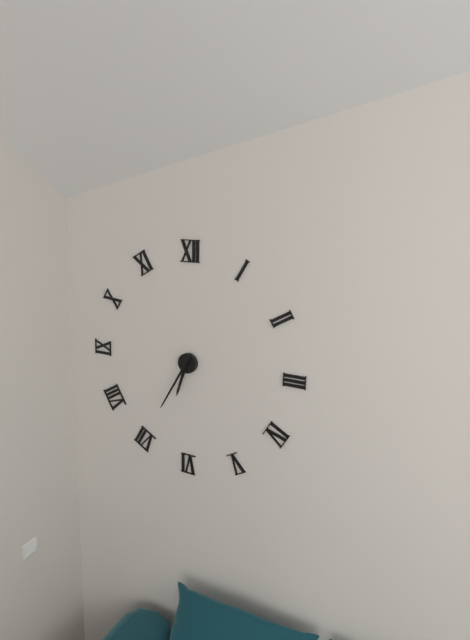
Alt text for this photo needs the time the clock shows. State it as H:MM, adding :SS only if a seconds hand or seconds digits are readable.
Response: 6:35
